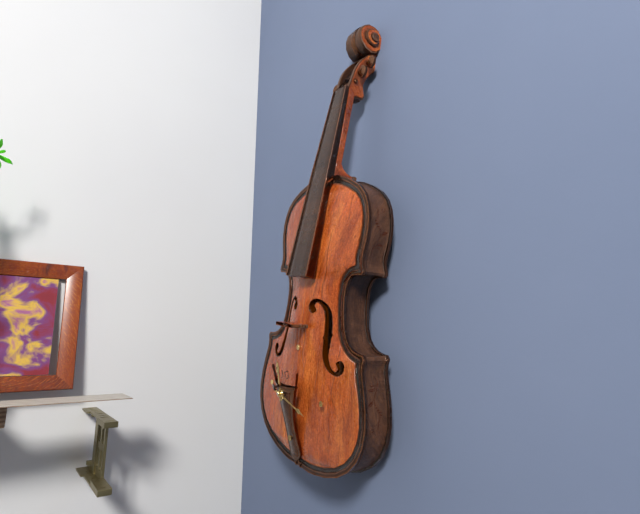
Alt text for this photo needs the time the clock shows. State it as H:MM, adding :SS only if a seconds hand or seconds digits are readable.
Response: 11:17
